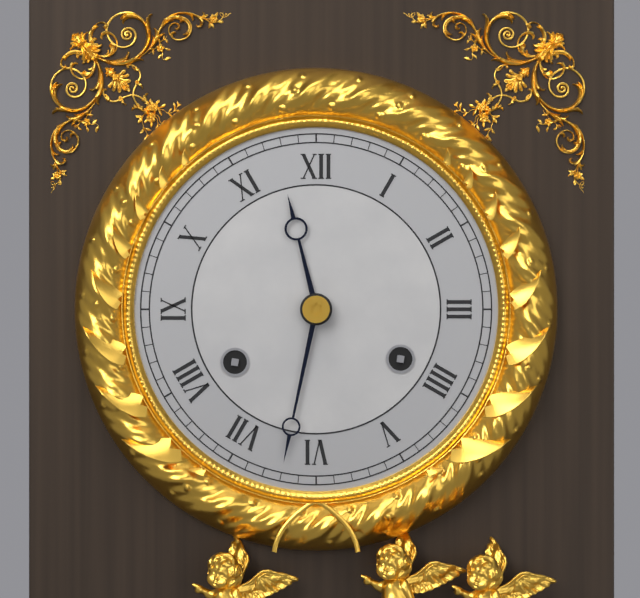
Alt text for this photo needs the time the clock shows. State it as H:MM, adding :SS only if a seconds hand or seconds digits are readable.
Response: 11:32
